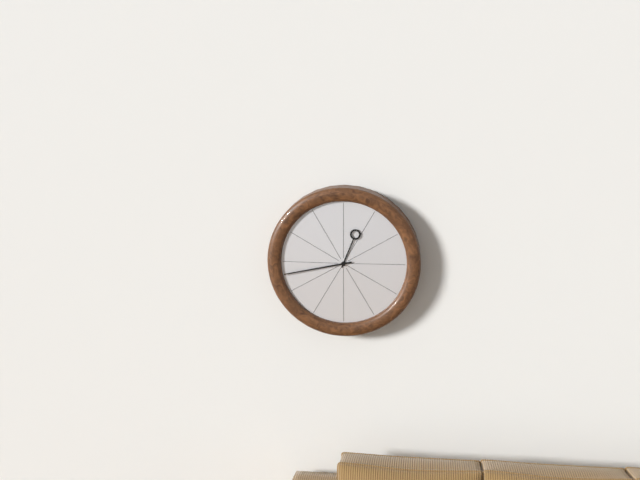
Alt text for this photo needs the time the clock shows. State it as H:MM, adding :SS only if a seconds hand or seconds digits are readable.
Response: 12:43
